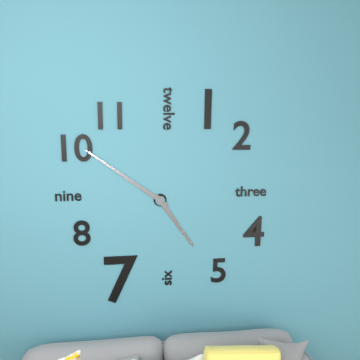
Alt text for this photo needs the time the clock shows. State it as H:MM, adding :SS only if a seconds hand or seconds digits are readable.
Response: 4:51
